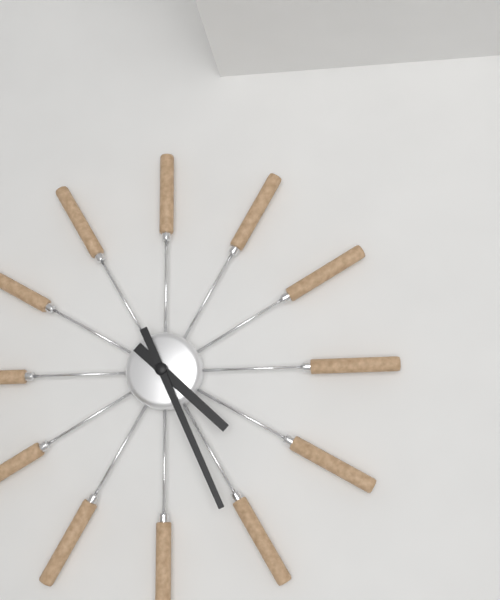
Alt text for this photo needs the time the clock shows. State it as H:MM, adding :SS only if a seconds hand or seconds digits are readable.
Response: 4:26
